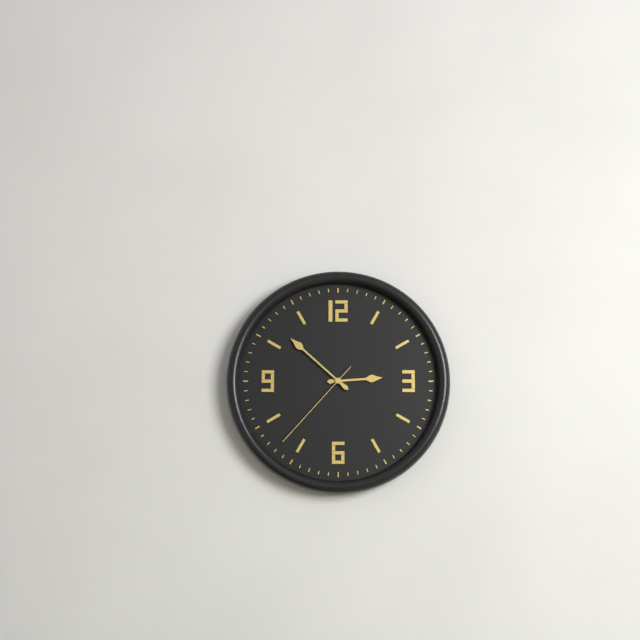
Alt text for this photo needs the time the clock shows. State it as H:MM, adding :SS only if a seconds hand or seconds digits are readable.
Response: 2:52:37
